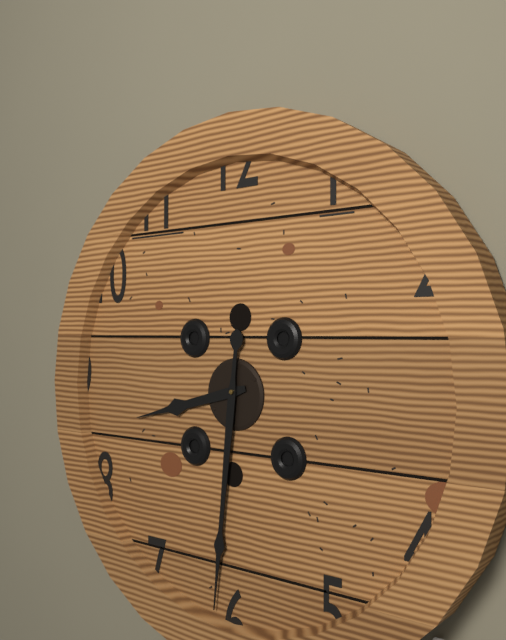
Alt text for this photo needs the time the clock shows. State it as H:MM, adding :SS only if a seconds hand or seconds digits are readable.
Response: 8:31
